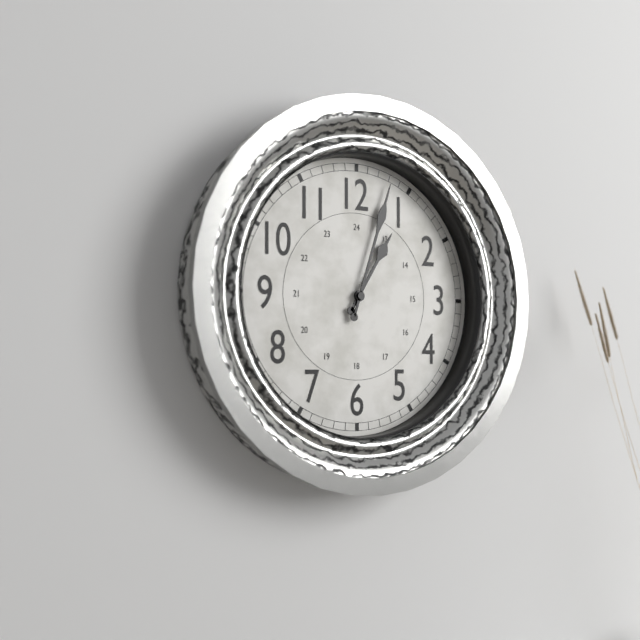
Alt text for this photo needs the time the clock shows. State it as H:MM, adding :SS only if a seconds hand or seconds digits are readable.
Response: 1:03
